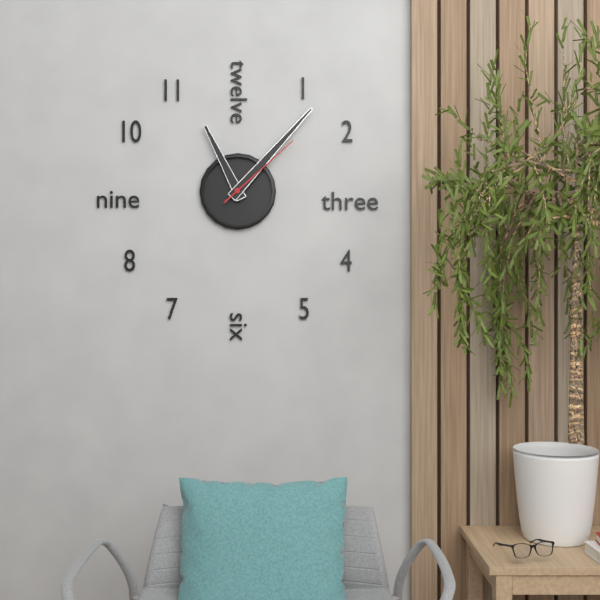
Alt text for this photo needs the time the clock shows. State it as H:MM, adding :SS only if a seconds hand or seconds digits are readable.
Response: 11:07:08
